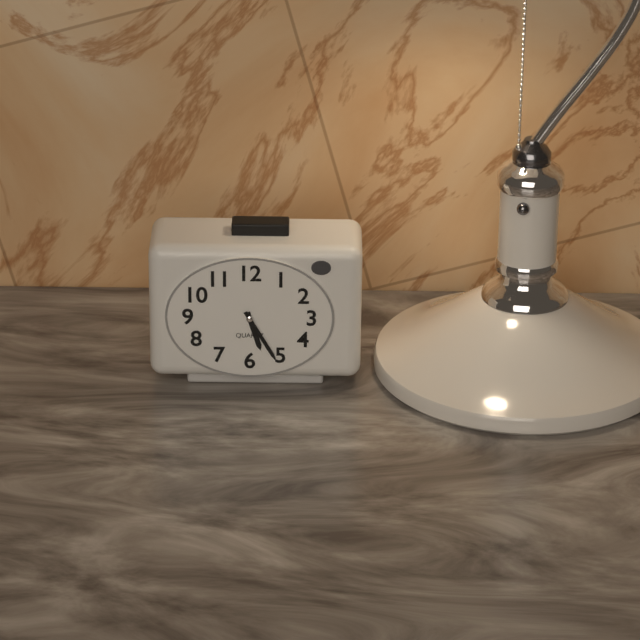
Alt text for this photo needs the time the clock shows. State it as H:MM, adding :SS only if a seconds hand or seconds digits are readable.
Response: 5:25
